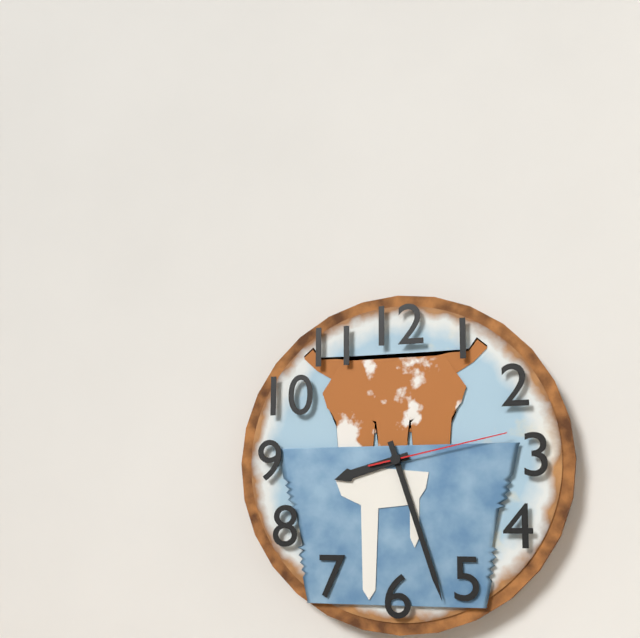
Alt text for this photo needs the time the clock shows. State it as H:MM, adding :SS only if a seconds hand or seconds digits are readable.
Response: 8:27:13
